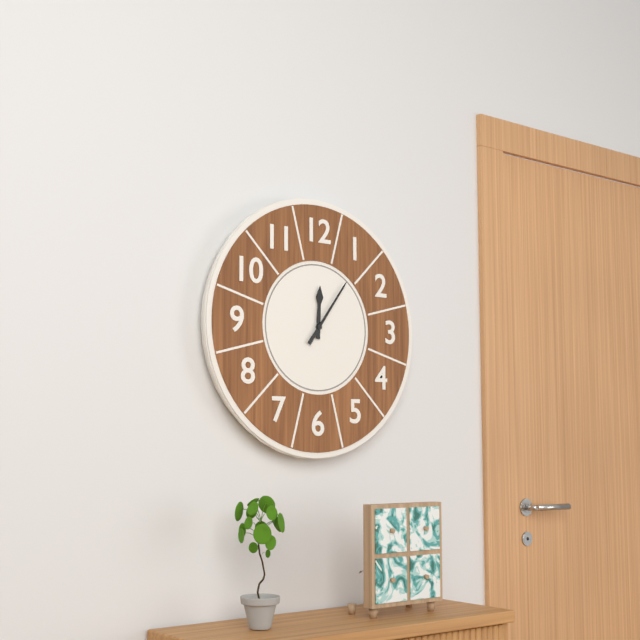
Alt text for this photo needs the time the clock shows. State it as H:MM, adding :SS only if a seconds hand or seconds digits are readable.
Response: 12:06
